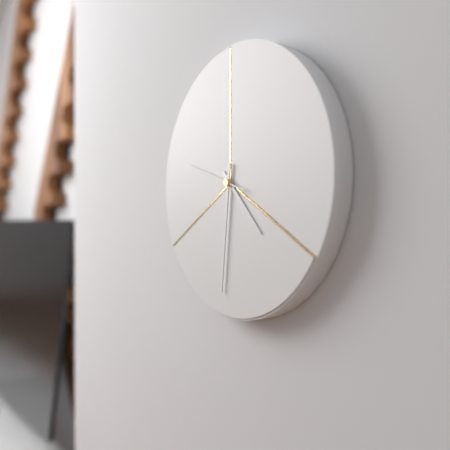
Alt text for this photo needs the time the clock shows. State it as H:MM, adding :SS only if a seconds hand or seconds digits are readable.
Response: 4:31:48
